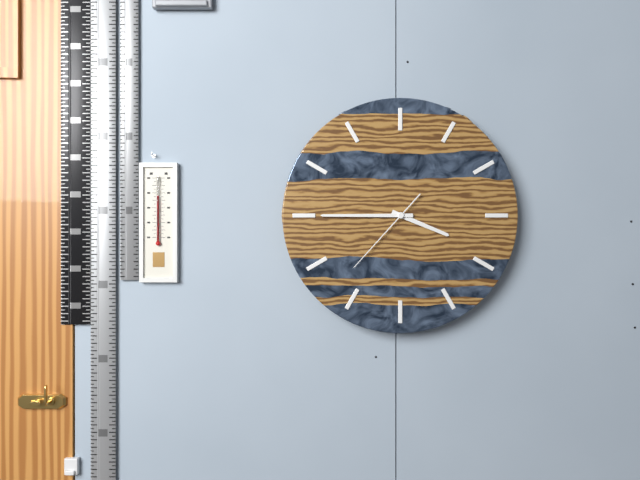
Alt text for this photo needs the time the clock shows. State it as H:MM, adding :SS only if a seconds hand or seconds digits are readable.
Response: 3:45:37
